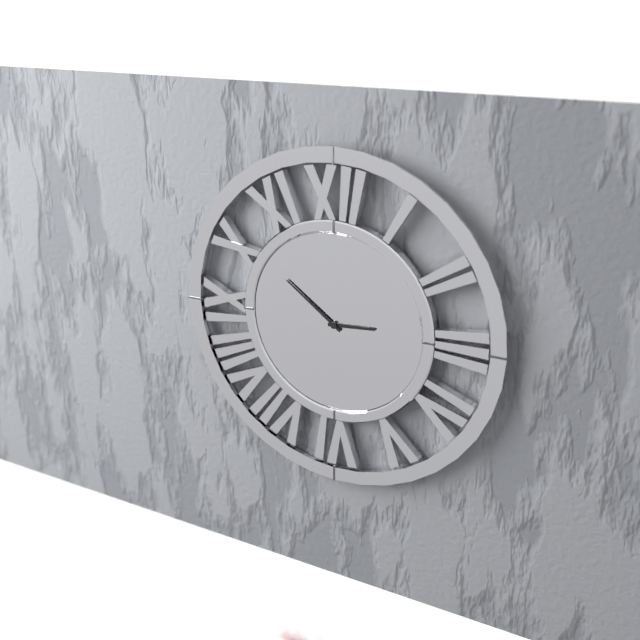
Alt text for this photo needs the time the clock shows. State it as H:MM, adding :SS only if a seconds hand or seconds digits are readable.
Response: 2:51
